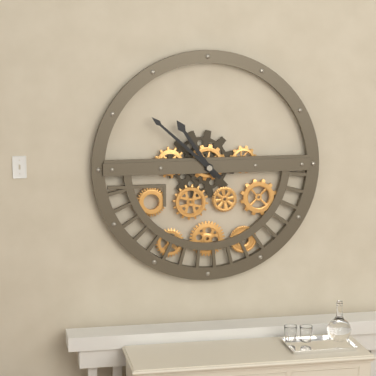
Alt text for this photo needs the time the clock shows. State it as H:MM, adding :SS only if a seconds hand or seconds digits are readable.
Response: 10:52
